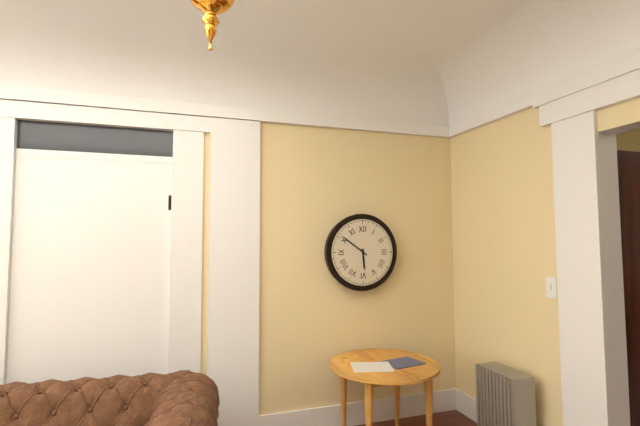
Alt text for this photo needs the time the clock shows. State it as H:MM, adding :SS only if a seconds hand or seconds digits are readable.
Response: 5:51
